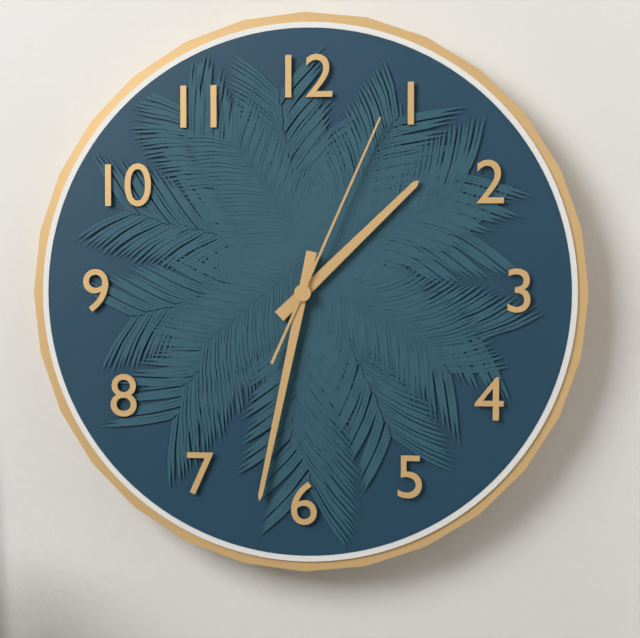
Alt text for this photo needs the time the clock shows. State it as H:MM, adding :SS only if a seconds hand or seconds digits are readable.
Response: 1:32:04
